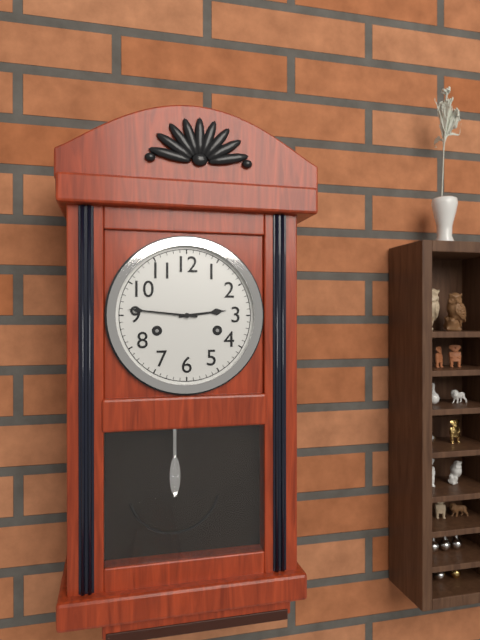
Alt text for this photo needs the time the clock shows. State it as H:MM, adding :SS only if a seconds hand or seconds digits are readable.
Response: 2:46
